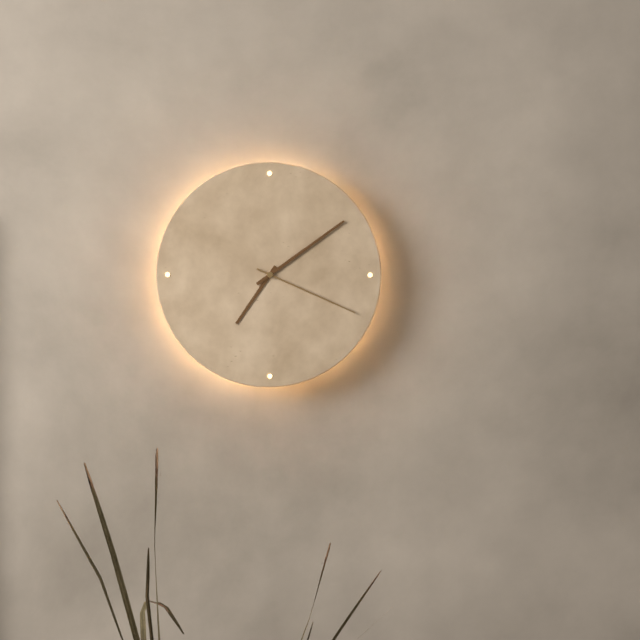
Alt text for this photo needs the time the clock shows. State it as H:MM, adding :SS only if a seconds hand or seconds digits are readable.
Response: 7:09:19
